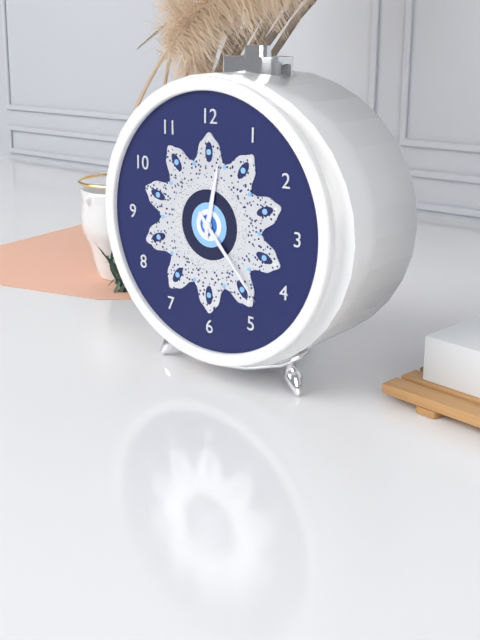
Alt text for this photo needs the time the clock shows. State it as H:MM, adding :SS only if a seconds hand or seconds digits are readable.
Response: 12:23
